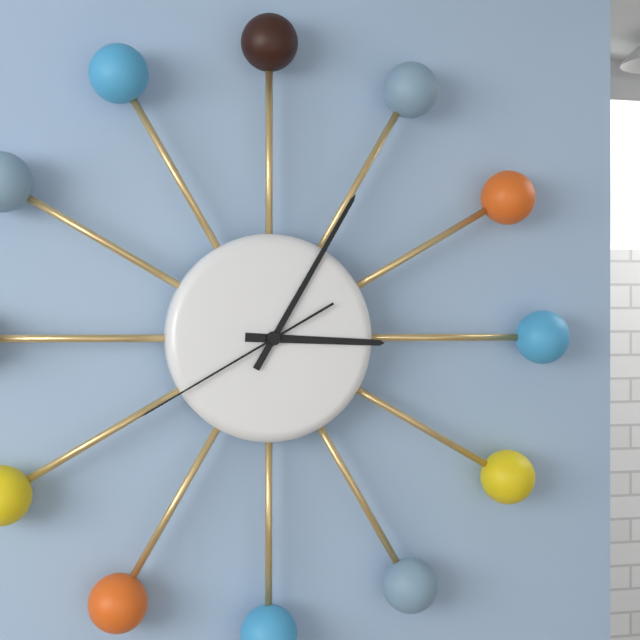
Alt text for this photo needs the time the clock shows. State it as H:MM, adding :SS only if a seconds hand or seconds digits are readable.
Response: 3:05:40
